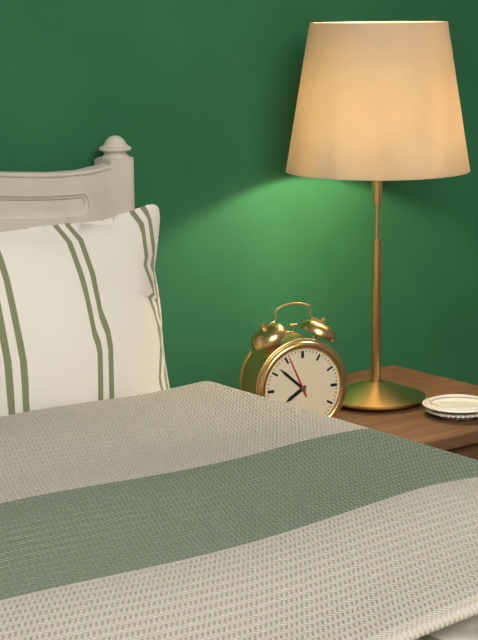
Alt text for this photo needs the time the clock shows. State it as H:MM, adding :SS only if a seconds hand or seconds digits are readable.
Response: 7:52
